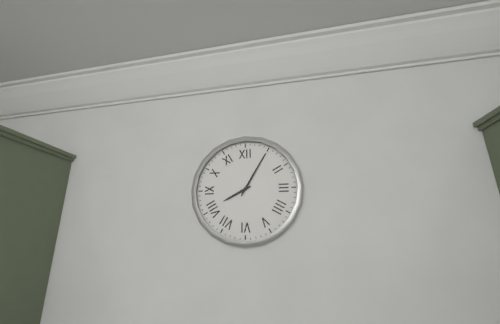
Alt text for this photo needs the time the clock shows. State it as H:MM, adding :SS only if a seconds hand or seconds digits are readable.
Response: 8:05
